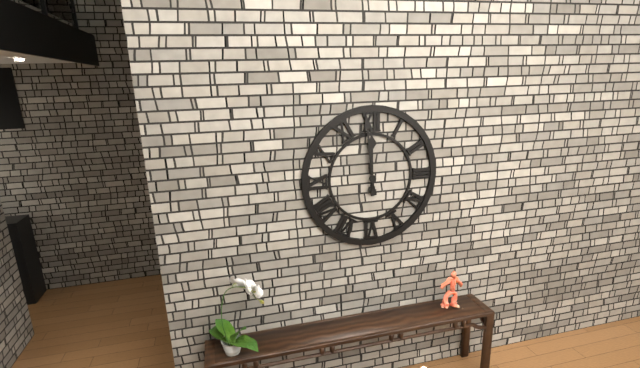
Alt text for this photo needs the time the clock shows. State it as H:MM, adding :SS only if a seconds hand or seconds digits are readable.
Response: 11:59
